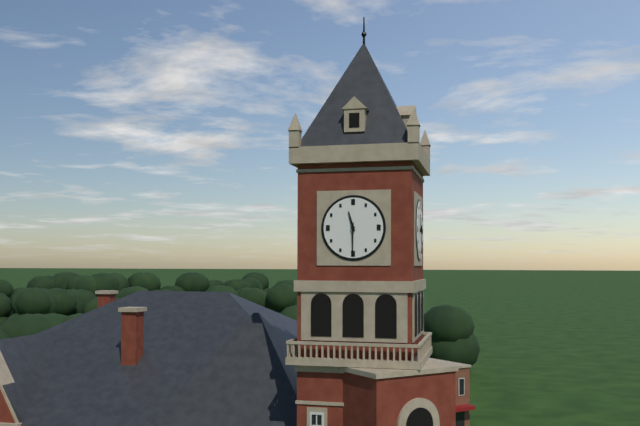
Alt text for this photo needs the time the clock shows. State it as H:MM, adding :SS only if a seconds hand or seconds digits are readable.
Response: 11:30
